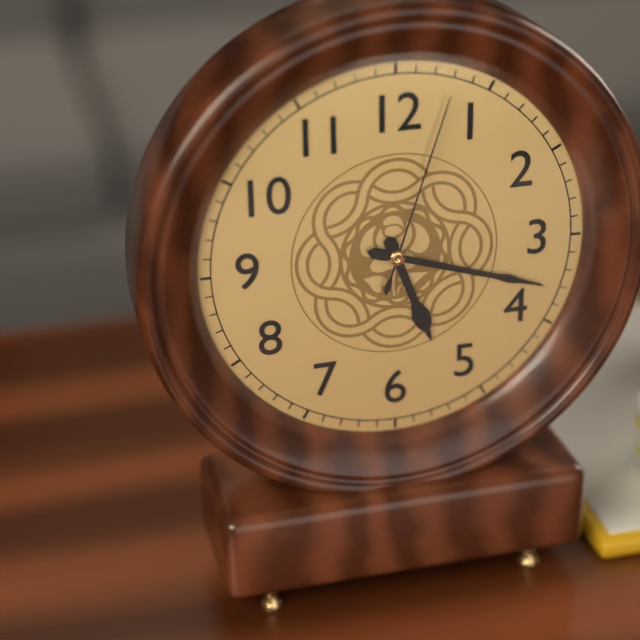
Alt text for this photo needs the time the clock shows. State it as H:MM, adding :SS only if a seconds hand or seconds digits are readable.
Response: 5:18:03
